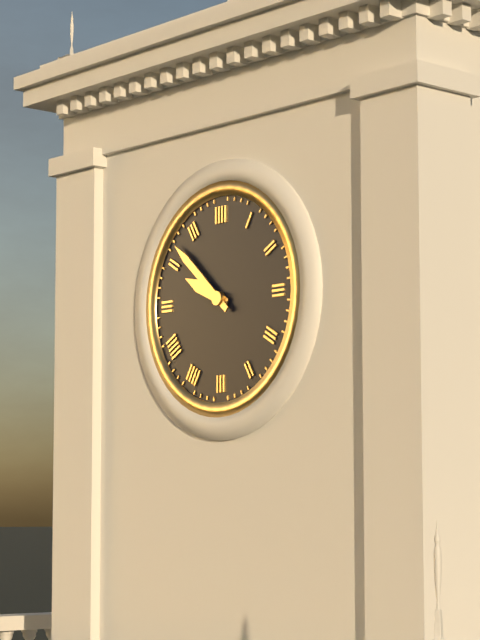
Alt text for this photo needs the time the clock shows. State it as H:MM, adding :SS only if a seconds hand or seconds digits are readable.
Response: 9:52
